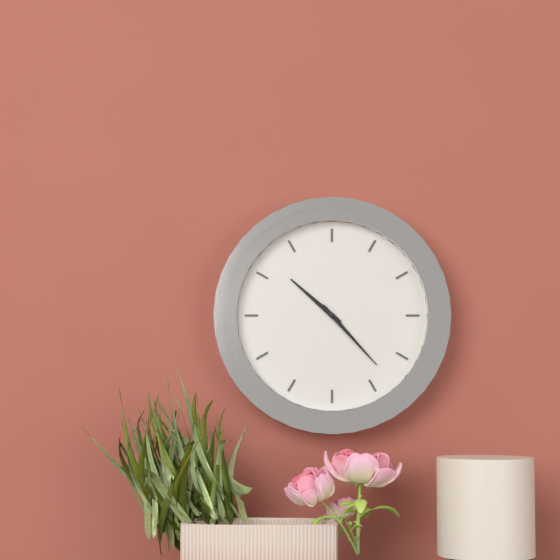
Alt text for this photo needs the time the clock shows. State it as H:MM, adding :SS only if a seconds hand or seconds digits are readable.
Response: 10:23
